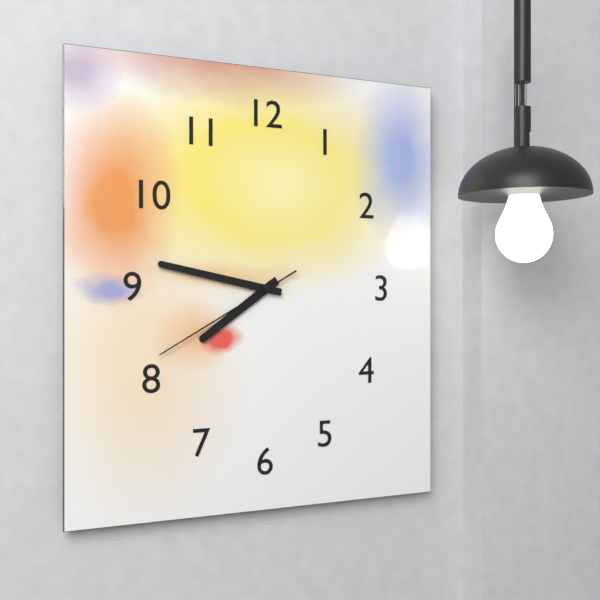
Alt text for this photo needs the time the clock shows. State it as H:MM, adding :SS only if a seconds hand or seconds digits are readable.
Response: 7:47:40
